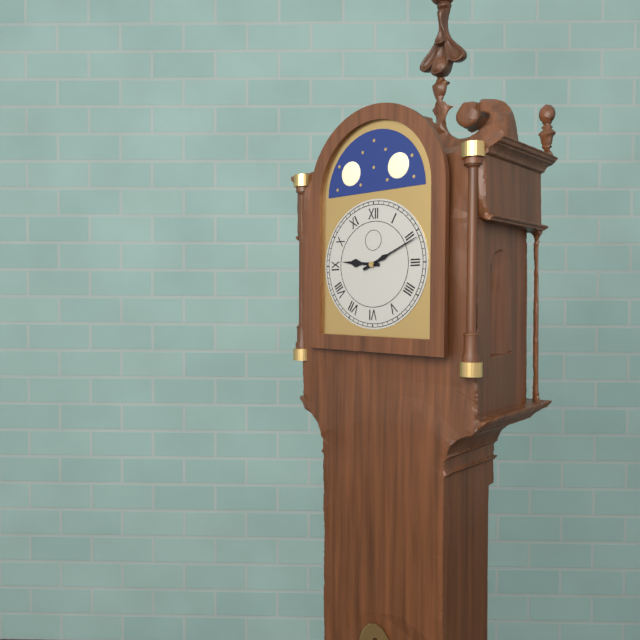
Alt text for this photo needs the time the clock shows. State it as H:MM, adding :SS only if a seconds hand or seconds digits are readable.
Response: 9:11
